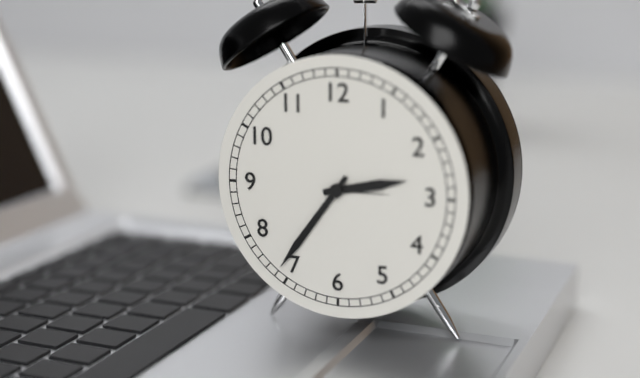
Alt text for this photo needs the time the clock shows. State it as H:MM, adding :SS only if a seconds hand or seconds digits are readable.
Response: 2:36
